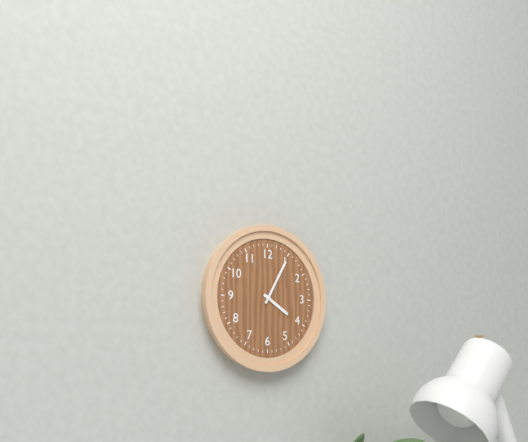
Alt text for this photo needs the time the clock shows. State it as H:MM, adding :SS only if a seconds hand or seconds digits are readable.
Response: 4:05
